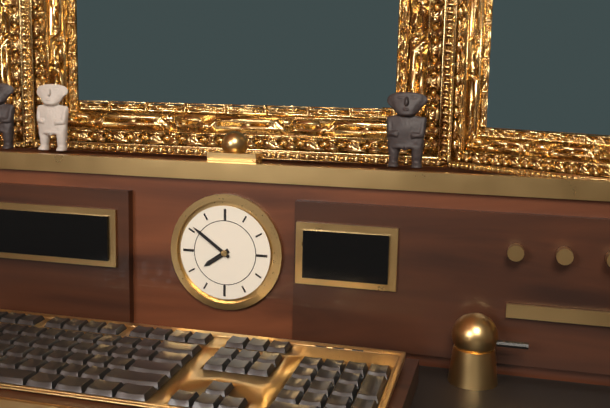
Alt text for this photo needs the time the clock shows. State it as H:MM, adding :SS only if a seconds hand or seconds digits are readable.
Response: 7:51
